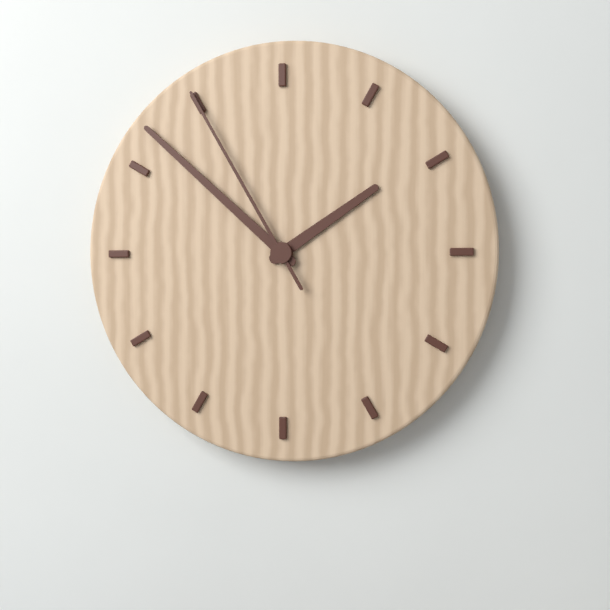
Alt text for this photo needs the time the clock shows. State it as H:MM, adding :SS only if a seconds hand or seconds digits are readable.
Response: 1:52:55
